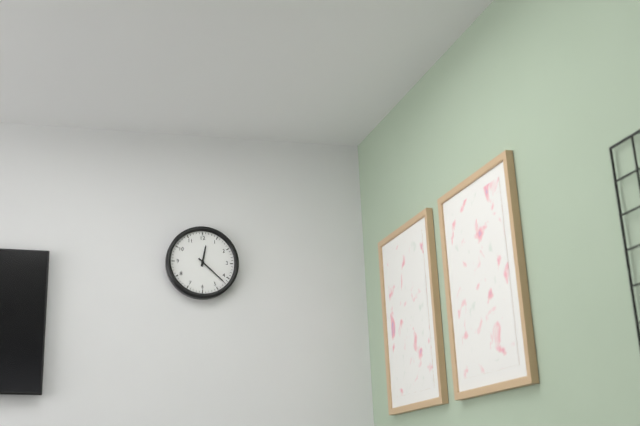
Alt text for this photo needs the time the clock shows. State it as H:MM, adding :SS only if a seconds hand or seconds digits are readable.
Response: 12:22
